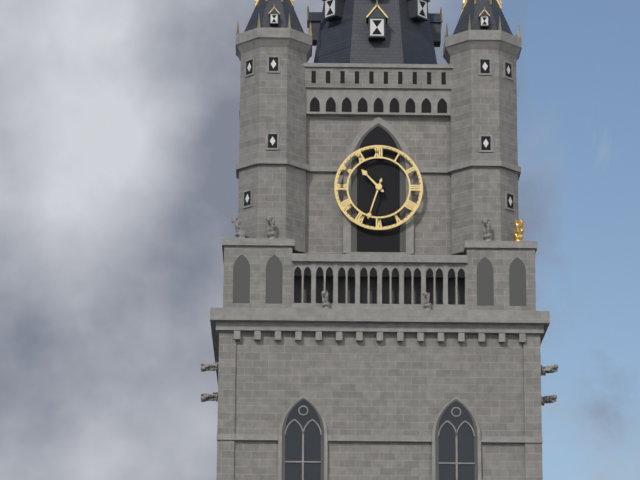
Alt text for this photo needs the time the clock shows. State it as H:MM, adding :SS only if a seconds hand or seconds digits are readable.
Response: 10:33
